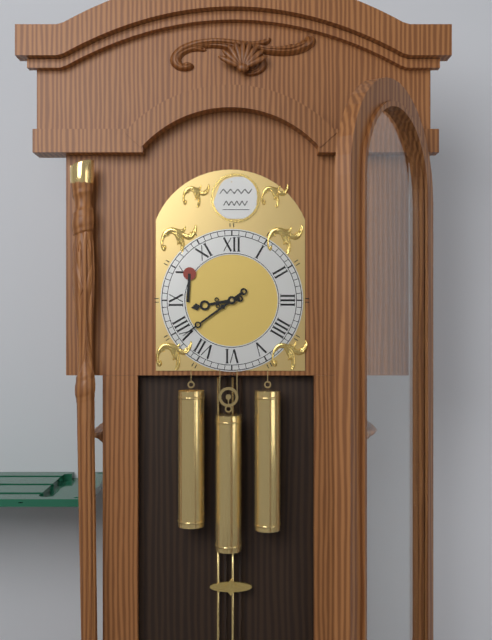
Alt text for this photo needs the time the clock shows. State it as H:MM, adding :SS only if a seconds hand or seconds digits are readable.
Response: 8:39
